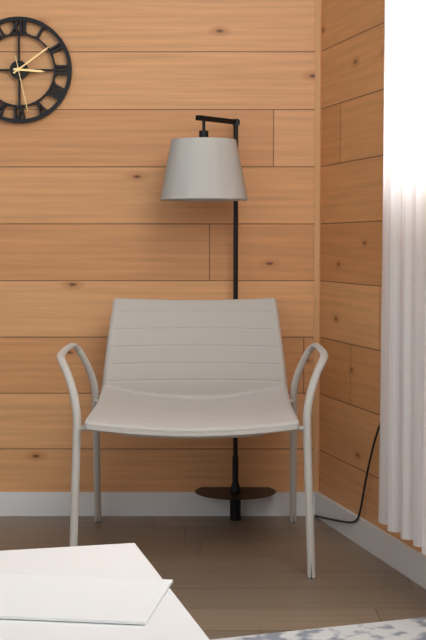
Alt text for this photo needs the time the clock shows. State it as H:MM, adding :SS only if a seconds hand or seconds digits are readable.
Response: 3:09:28
